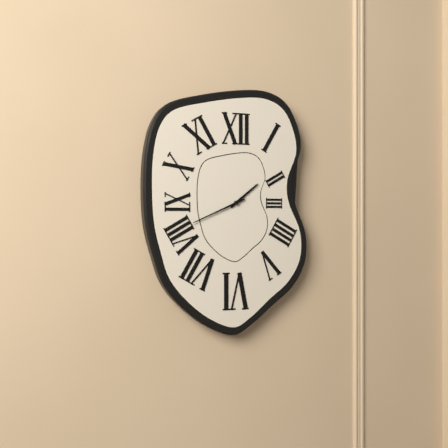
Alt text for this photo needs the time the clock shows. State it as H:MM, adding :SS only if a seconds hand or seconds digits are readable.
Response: 1:41
